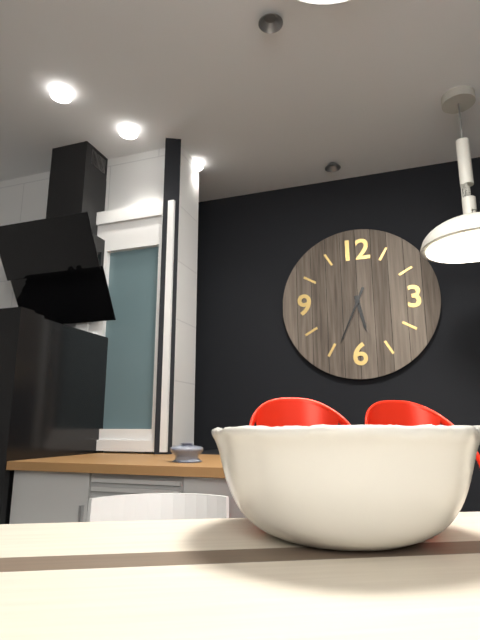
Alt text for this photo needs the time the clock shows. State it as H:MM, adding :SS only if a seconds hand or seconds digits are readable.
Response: 5:34
